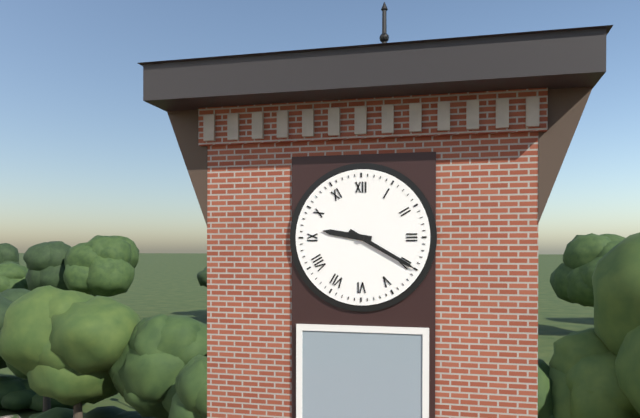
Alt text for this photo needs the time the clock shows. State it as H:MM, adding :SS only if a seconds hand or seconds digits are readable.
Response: 9:20
